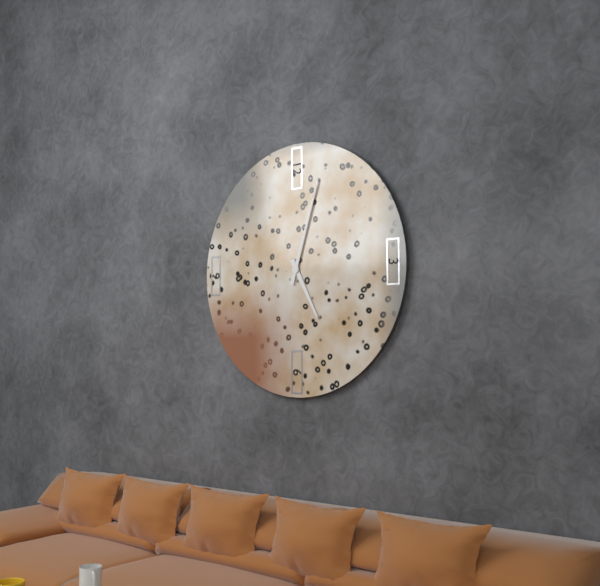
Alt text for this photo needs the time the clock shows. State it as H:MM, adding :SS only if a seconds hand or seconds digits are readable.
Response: 5:03
